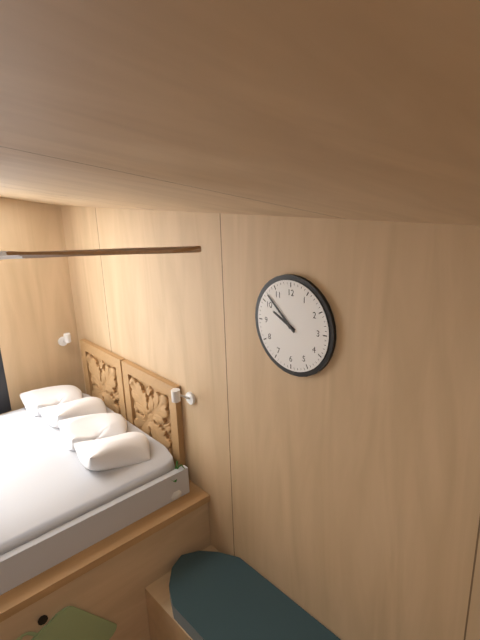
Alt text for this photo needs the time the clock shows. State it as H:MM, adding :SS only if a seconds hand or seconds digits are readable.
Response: 9:52
